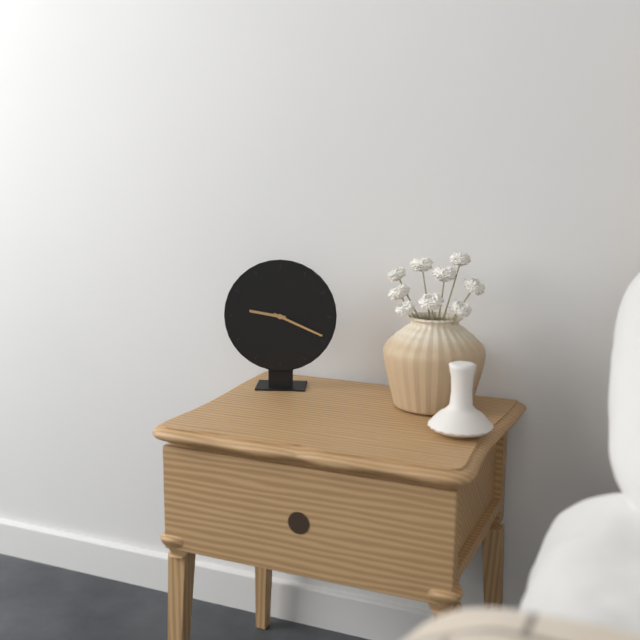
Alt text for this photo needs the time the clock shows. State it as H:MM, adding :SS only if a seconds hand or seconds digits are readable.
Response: 9:19
